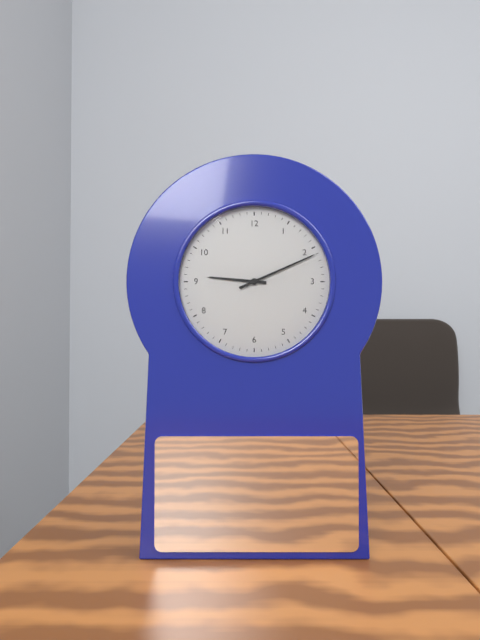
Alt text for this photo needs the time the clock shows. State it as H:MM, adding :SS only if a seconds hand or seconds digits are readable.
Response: 9:11
